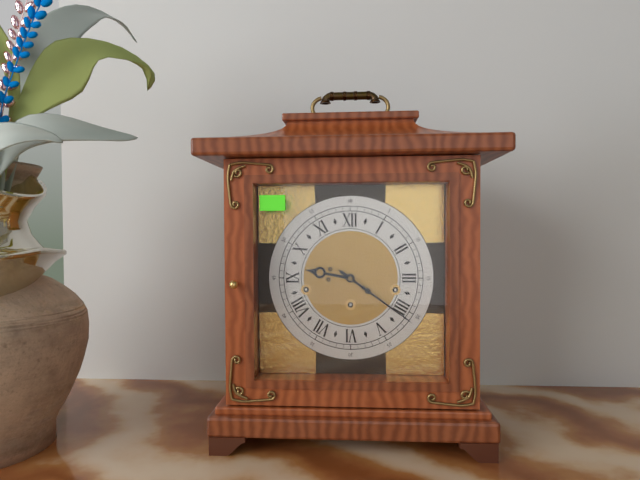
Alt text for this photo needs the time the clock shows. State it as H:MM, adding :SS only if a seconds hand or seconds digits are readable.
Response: 9:21
